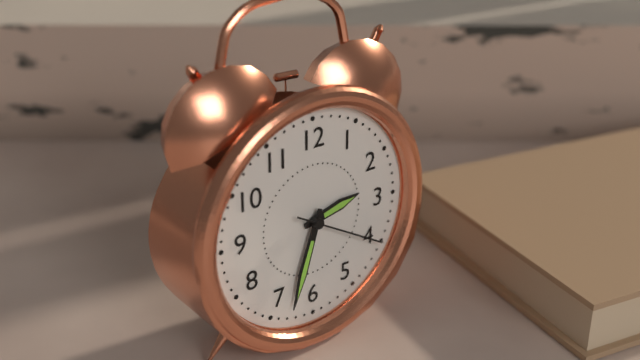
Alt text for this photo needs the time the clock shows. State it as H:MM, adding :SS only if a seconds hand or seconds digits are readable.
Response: 2:33:20
